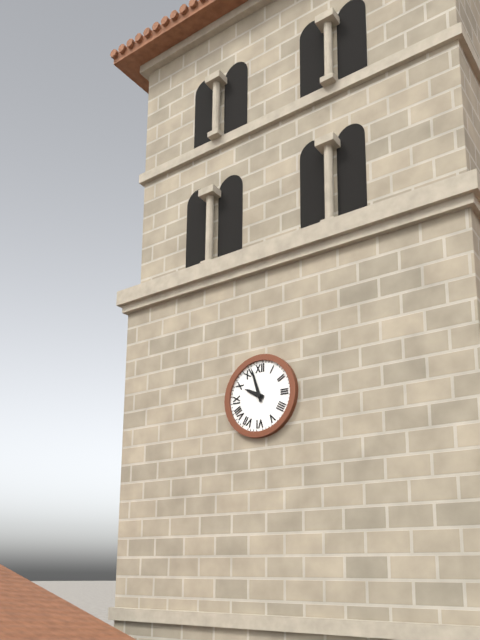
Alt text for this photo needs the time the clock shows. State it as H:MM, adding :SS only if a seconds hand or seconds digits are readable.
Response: 9:57
